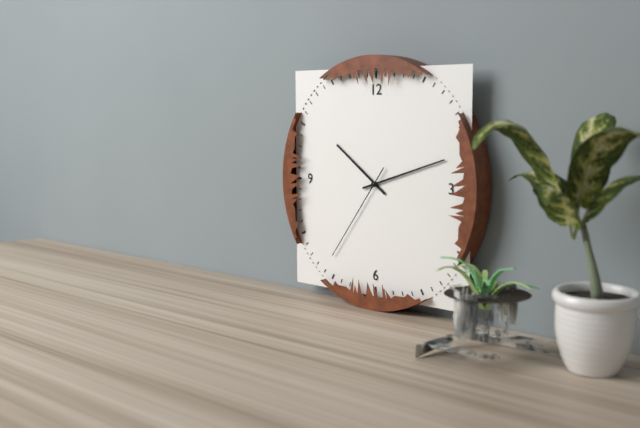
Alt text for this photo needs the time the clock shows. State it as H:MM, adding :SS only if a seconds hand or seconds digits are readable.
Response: 10:12:36
